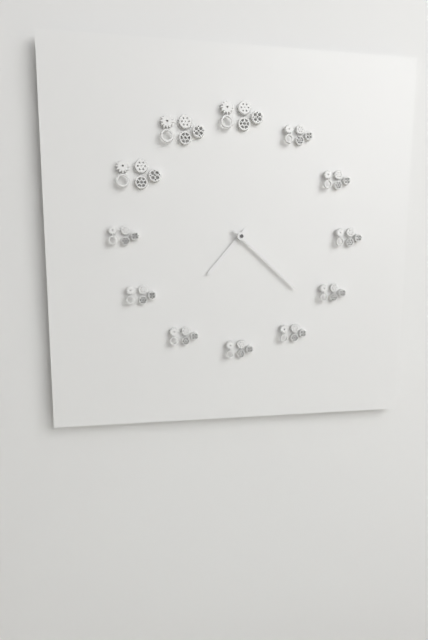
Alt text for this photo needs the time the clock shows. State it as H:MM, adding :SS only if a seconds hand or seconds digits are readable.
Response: 7:22
